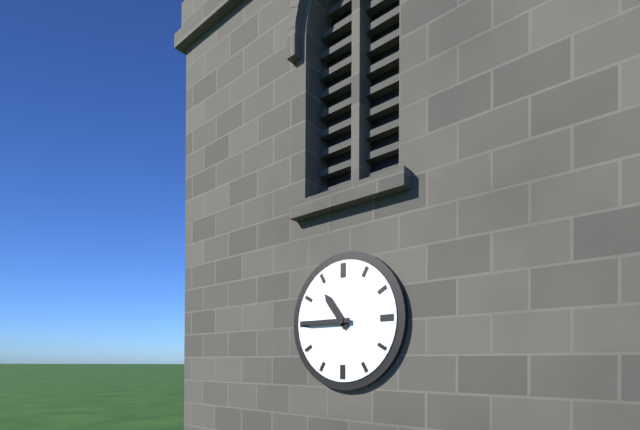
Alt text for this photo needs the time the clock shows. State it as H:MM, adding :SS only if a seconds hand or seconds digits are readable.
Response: 10:45
